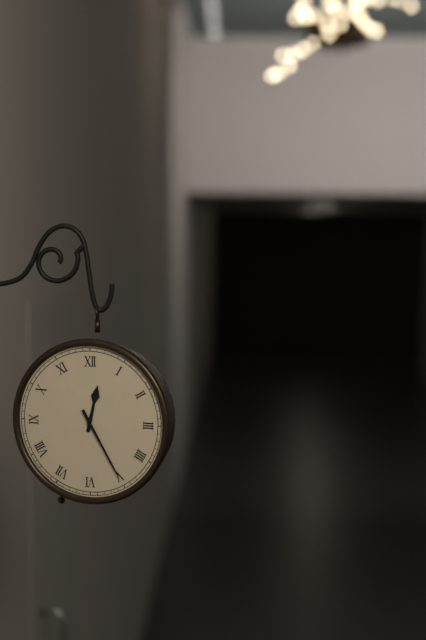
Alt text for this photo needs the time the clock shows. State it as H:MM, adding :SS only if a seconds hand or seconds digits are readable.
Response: 12:25
